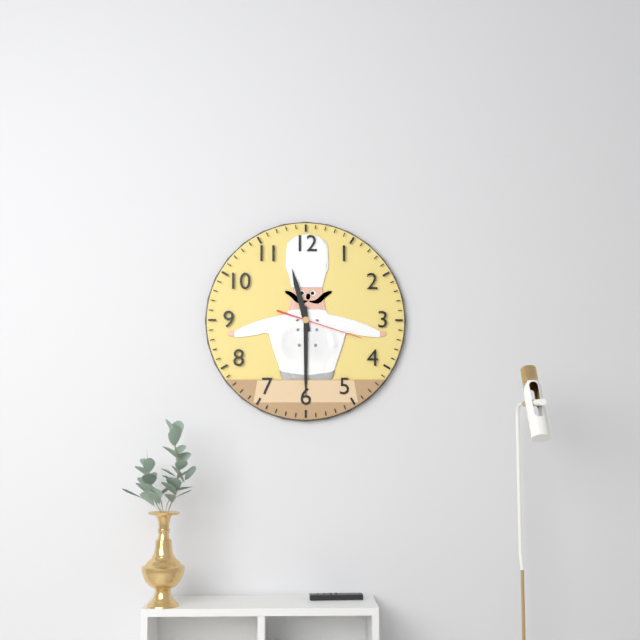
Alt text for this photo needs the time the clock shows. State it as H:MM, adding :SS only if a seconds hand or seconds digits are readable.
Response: 11:30:18
